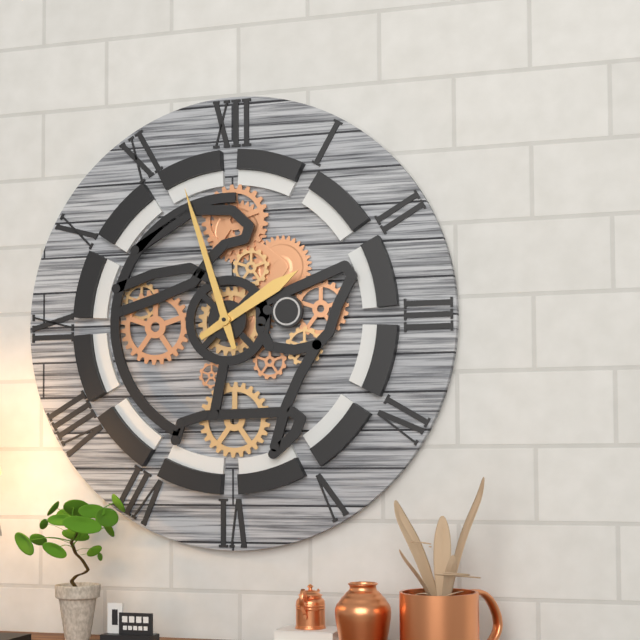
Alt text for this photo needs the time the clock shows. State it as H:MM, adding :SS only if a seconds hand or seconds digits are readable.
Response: 1:57
